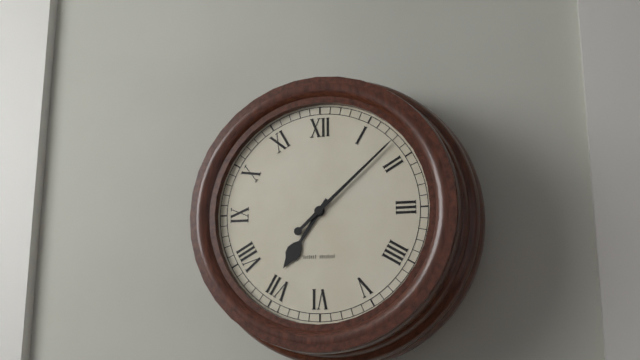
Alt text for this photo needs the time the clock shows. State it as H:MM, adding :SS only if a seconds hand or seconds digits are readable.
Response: 7:08
